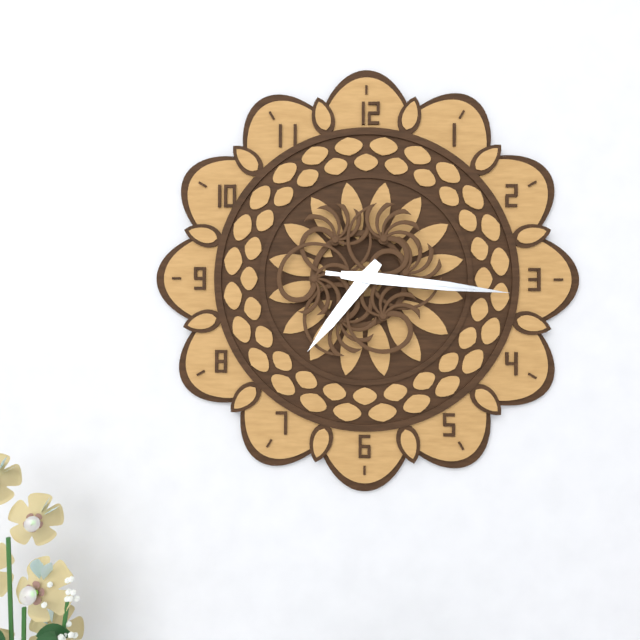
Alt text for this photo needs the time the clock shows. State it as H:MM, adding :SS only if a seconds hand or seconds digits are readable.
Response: 7:16:16
